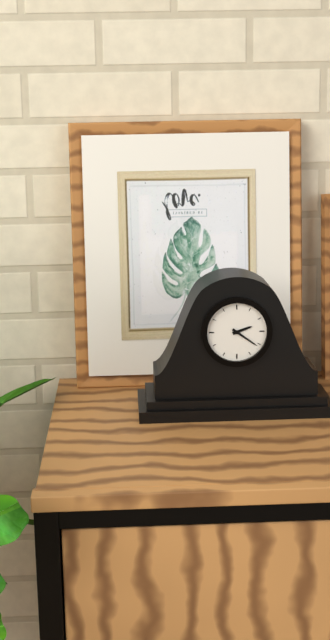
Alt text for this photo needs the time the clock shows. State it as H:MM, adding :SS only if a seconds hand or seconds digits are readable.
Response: 2:21
